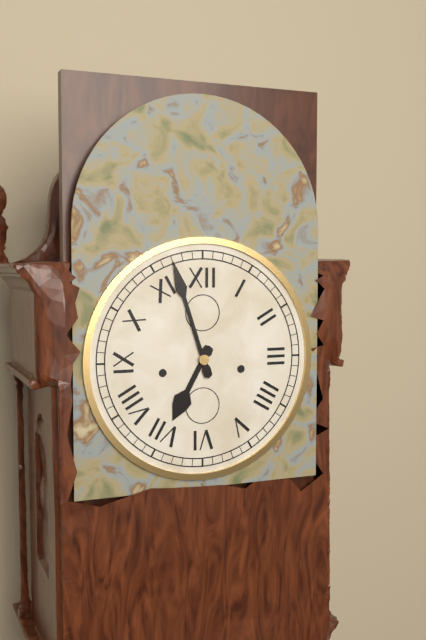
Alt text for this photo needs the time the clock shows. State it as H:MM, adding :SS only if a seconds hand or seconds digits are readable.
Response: 6:57
